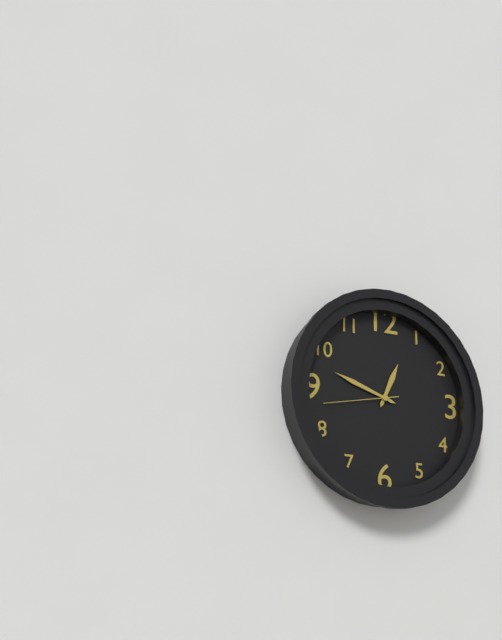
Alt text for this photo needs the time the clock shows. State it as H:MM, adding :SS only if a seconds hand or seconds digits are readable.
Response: 12:48:43
